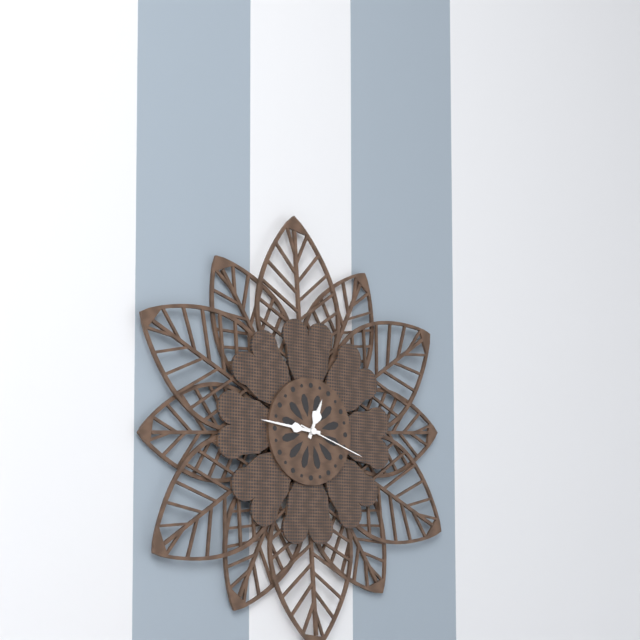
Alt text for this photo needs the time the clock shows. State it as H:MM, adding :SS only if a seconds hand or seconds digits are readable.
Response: 12:46:18
